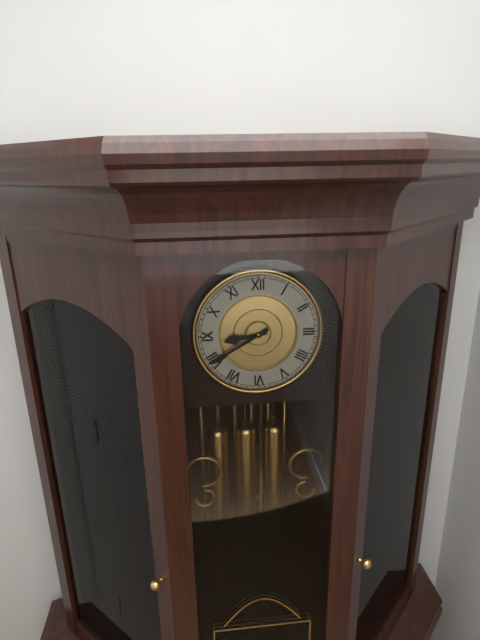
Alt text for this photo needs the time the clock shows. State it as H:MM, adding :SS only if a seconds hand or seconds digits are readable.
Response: 8:40
